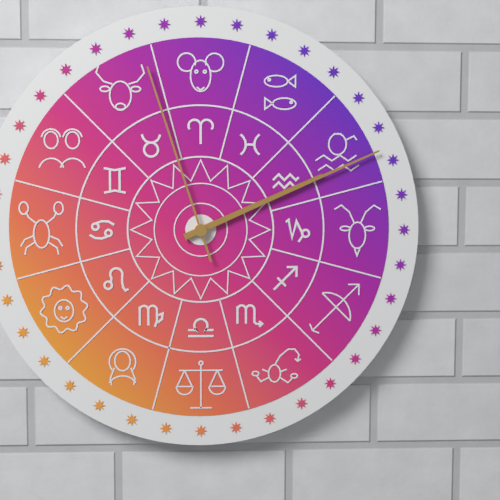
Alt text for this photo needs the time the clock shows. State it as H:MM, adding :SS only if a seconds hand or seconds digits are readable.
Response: 2:11:57
